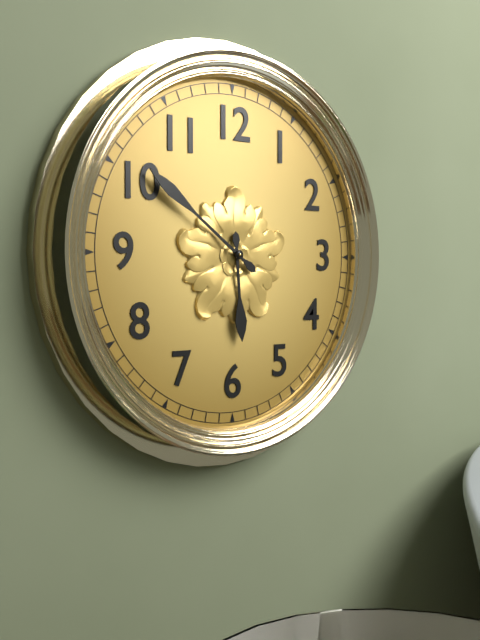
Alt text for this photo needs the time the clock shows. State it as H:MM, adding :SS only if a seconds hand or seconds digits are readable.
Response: 5:51
